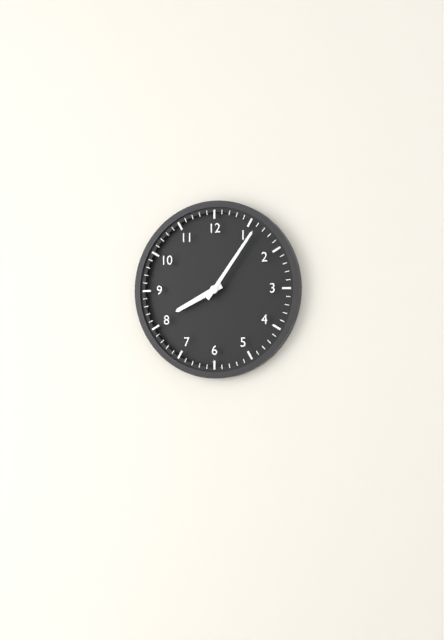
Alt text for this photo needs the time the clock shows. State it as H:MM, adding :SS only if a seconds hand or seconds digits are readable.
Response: 8:06
